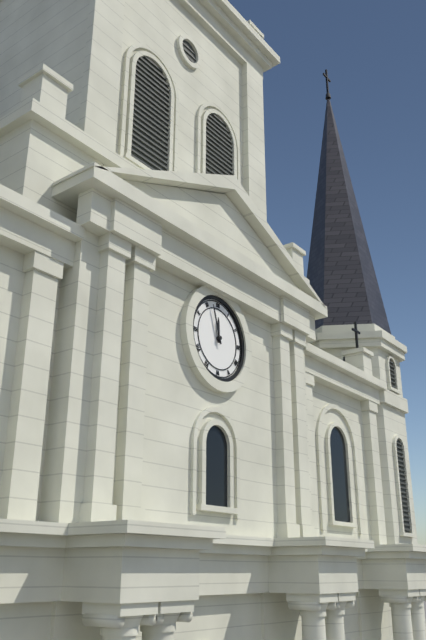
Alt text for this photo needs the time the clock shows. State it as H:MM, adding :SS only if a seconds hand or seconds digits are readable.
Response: 11:57
